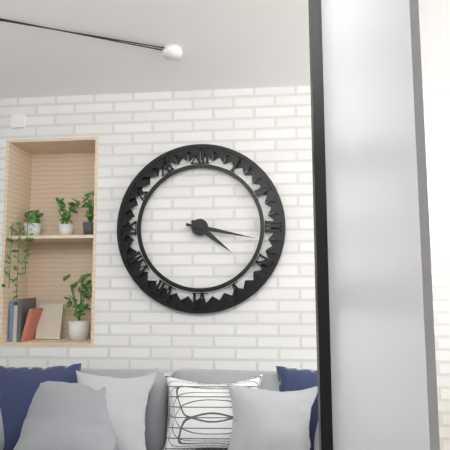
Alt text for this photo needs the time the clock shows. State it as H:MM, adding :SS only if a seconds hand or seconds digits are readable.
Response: 4:17
